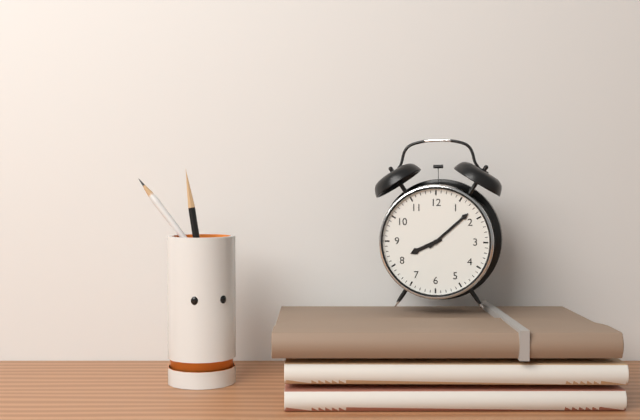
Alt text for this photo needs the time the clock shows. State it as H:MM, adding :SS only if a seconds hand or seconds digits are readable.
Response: 8:08
